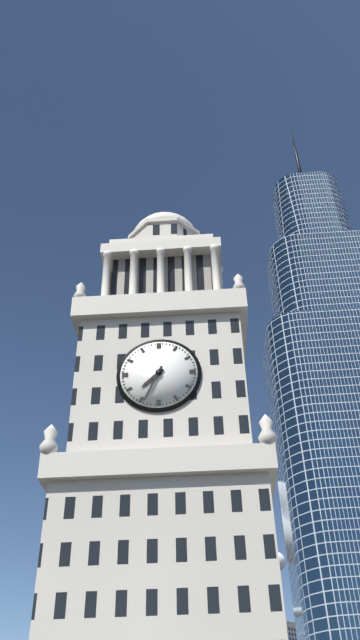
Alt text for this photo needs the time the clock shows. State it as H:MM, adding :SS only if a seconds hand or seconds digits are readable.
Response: 7:34
